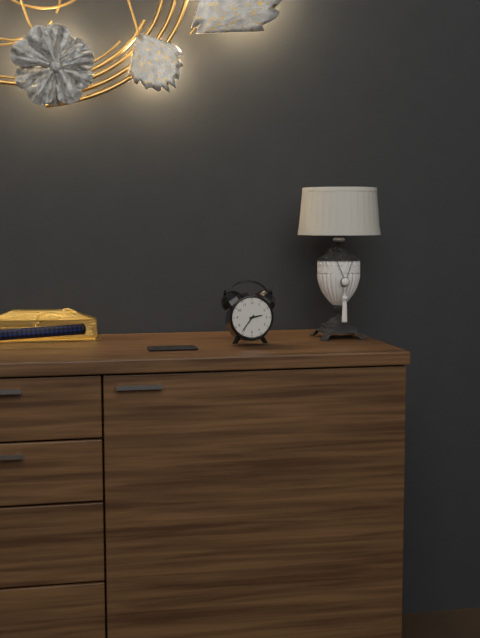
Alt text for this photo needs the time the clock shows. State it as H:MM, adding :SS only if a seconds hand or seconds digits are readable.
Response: 2:36
